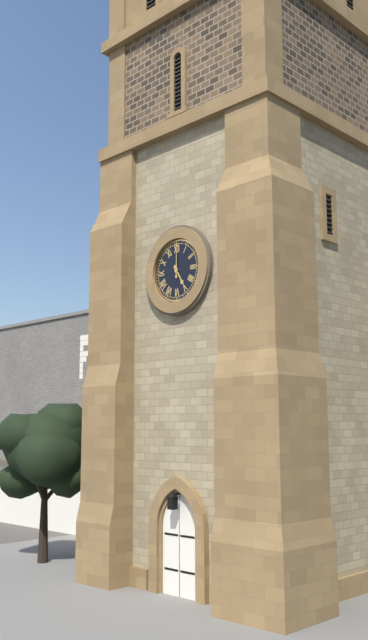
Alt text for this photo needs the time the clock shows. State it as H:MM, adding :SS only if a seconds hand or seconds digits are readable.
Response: 5:00
